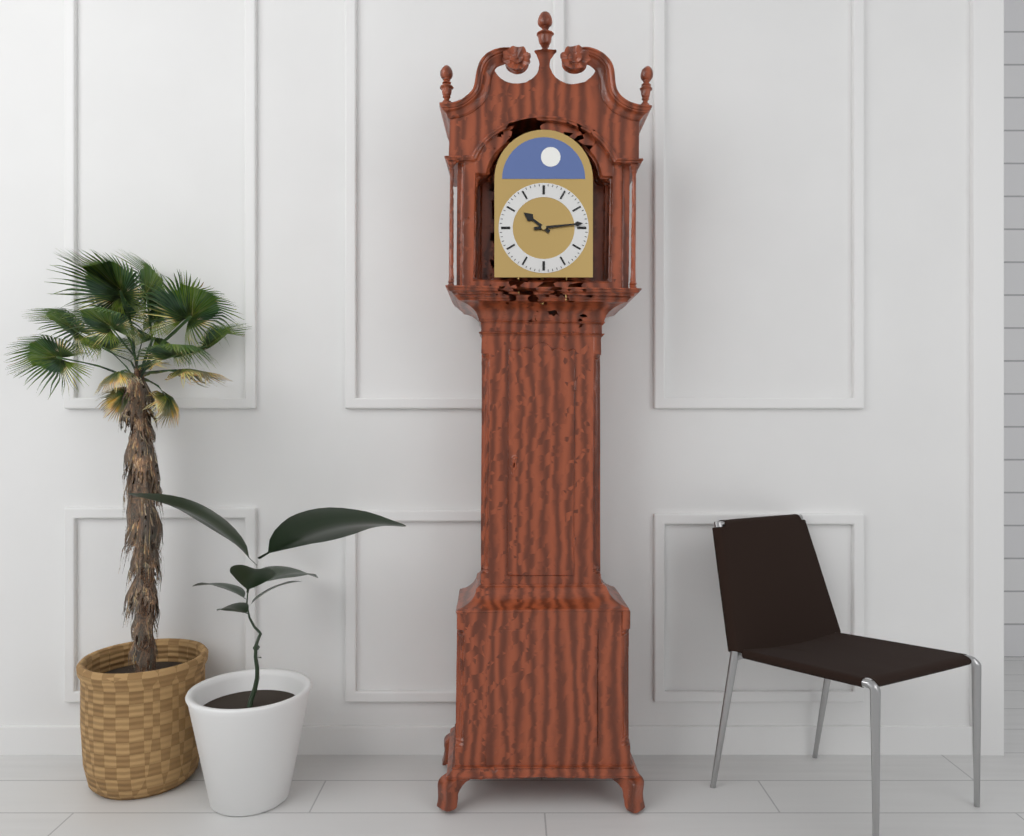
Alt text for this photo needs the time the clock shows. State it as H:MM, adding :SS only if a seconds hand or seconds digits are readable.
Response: 10:14
